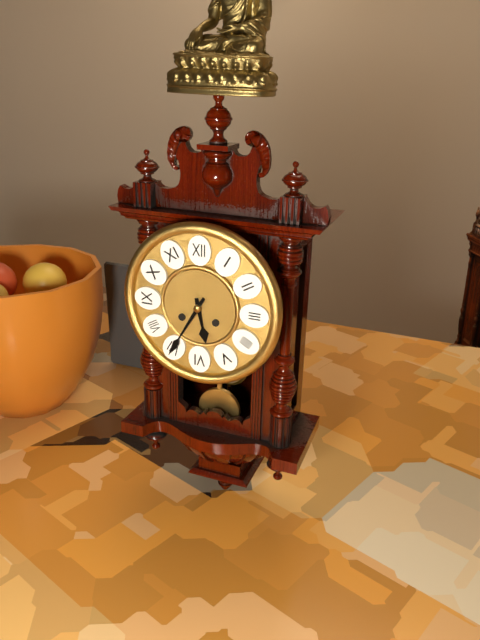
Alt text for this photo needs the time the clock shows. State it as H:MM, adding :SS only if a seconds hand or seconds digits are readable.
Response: 5:35
